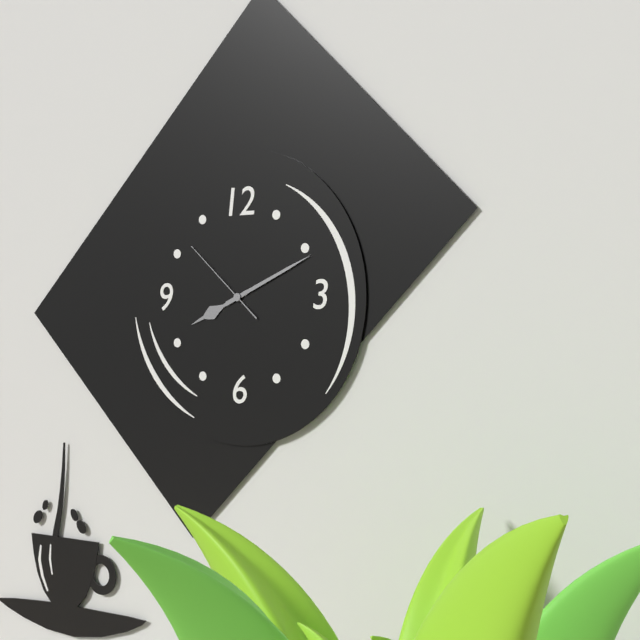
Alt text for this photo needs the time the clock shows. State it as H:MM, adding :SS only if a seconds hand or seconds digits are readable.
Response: 8:11:52
